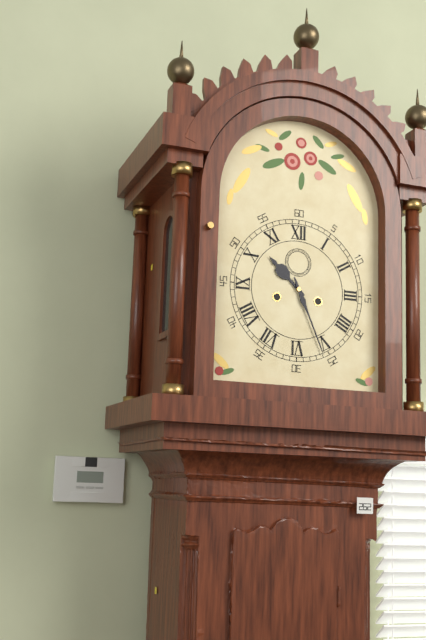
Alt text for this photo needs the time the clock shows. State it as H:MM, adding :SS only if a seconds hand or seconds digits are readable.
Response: 10:26
